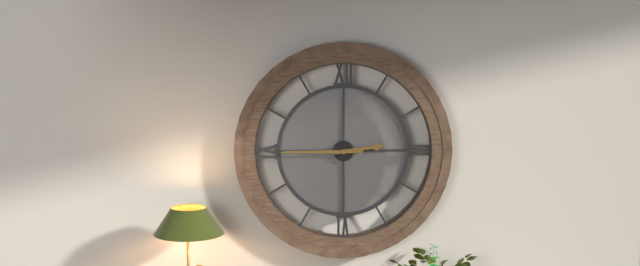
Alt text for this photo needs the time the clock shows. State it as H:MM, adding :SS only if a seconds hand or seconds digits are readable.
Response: 2:45
